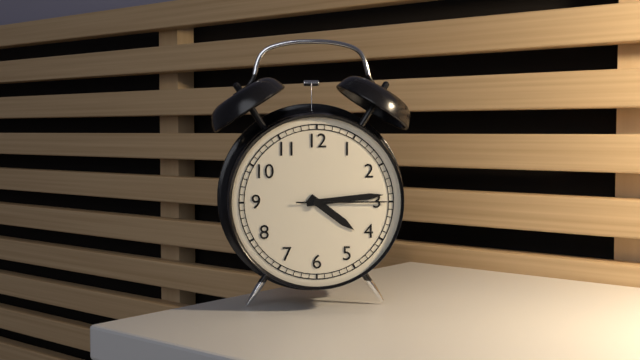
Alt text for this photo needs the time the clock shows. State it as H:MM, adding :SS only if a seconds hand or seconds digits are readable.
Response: 4:14:15
